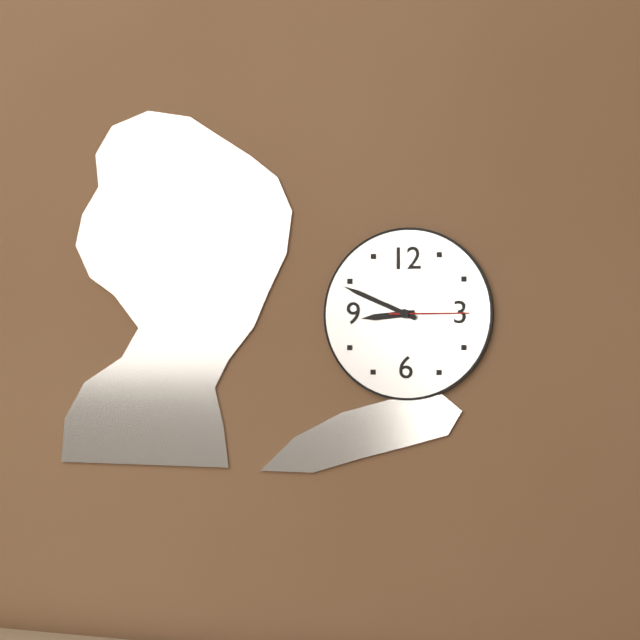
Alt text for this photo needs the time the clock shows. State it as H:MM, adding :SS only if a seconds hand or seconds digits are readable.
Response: 8:49:15
